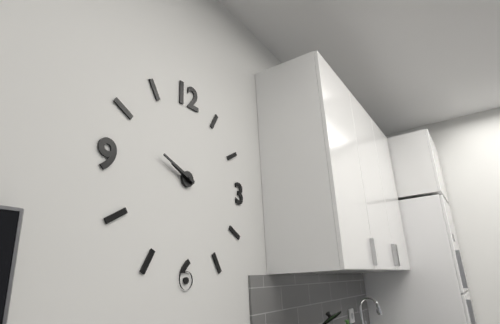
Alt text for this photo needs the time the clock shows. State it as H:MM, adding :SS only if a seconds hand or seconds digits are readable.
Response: 9:49
